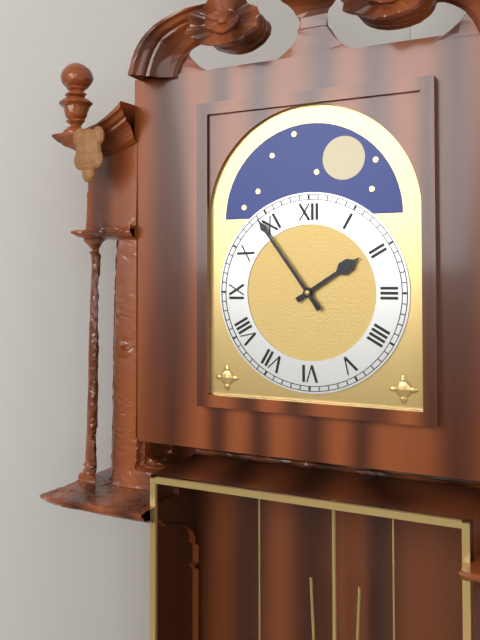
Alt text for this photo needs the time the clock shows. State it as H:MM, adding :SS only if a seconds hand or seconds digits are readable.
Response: 1:54
